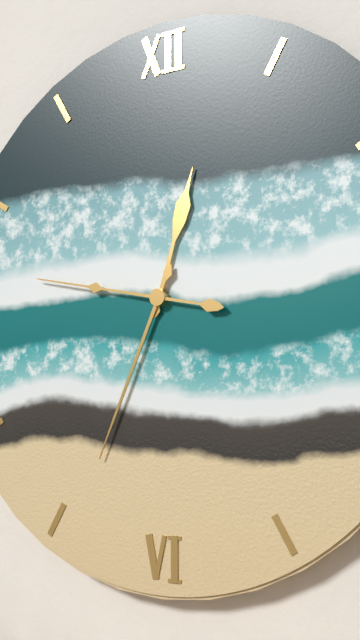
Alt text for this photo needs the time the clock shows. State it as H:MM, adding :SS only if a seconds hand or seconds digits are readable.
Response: 12:34:47
